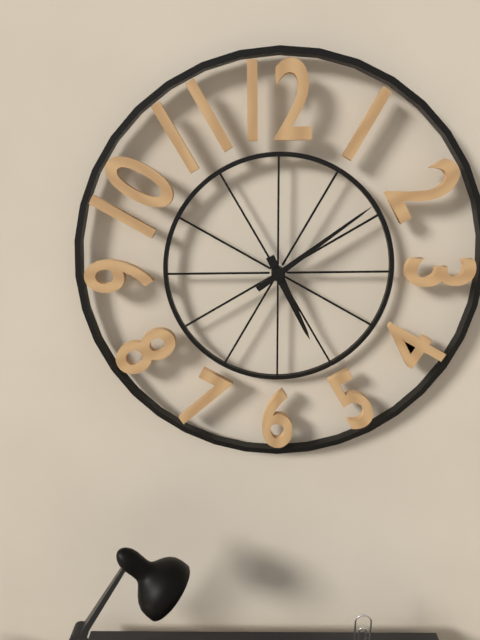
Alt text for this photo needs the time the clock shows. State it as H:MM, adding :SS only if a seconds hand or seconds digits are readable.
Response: 5:09
